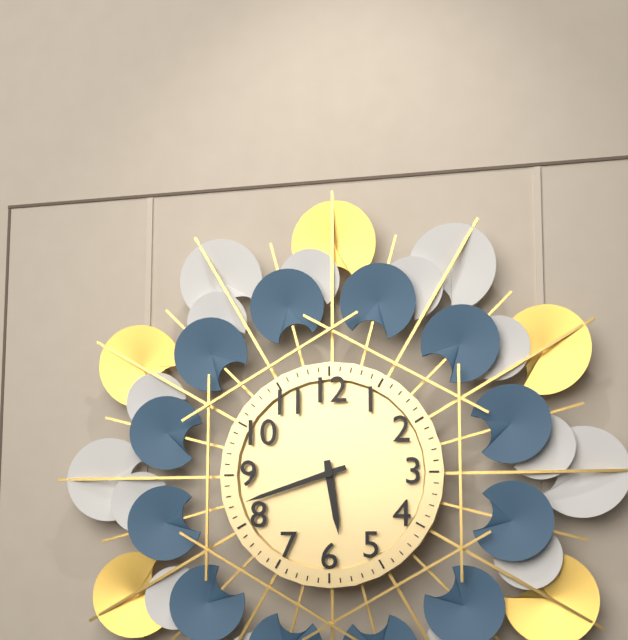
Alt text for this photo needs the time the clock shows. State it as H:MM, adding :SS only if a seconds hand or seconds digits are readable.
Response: 5:42
